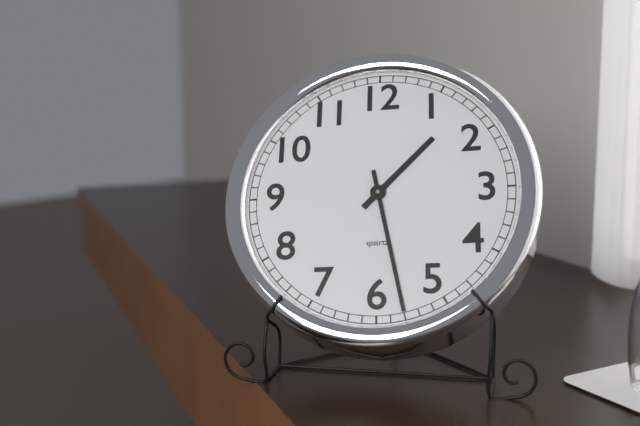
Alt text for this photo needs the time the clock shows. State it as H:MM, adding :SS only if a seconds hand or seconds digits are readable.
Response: 1:28
